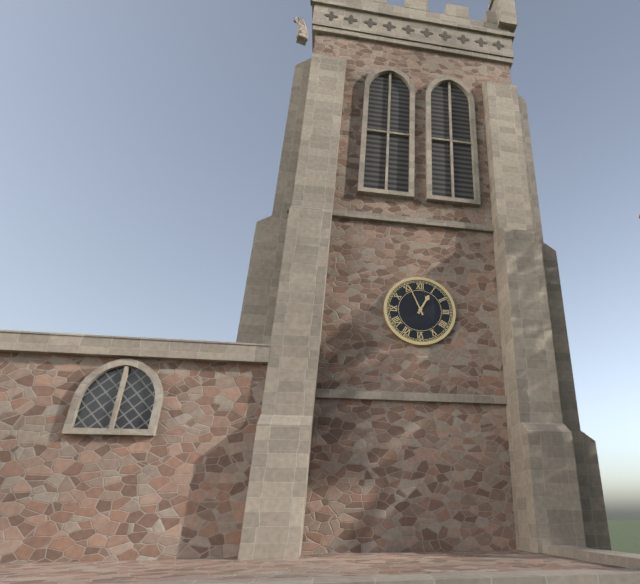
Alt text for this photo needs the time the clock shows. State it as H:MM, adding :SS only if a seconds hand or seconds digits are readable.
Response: 12:56
